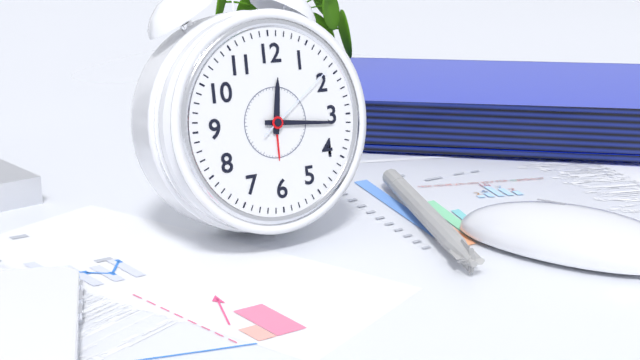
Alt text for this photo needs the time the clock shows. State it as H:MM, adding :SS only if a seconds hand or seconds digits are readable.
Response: 12:16:09
